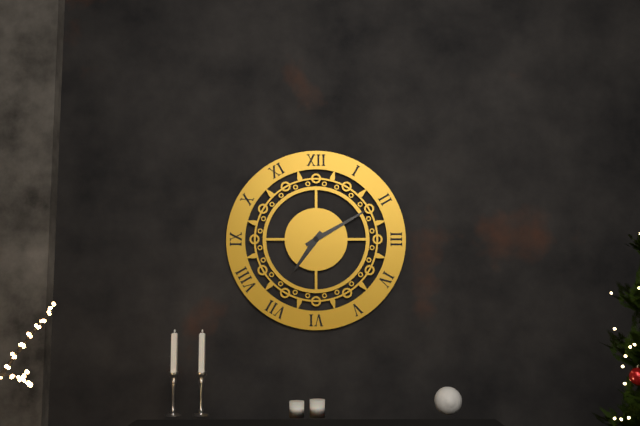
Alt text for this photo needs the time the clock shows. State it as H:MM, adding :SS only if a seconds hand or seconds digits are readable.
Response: 7:10
